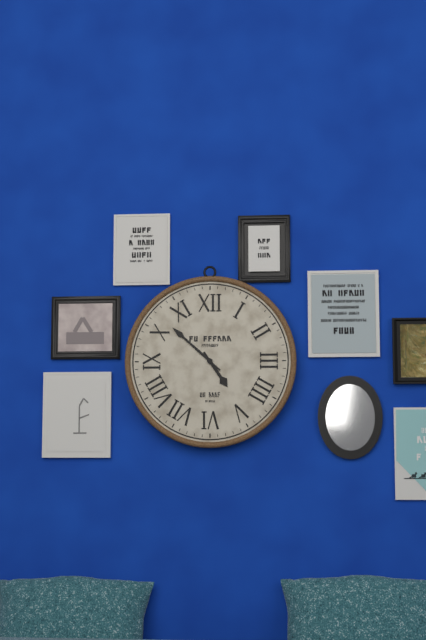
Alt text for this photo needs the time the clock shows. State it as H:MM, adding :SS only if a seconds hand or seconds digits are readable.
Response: 4:52
